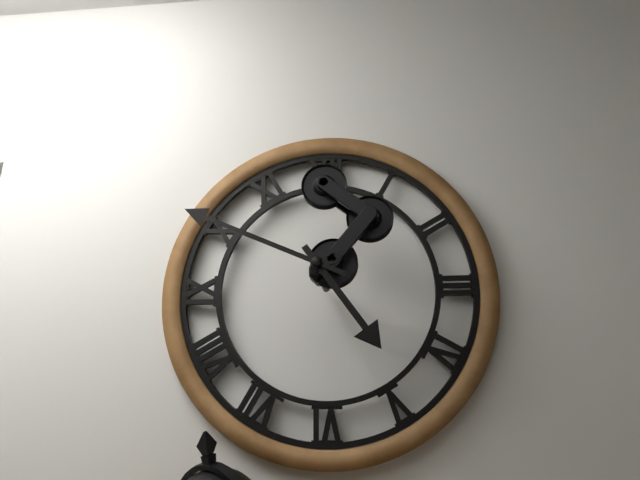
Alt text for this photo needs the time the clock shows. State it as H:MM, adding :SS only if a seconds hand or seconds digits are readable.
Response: 4:49
